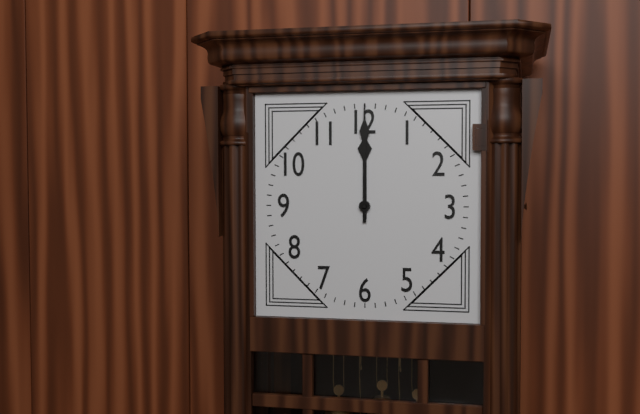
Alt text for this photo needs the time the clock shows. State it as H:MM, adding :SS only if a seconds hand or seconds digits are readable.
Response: 12:00
